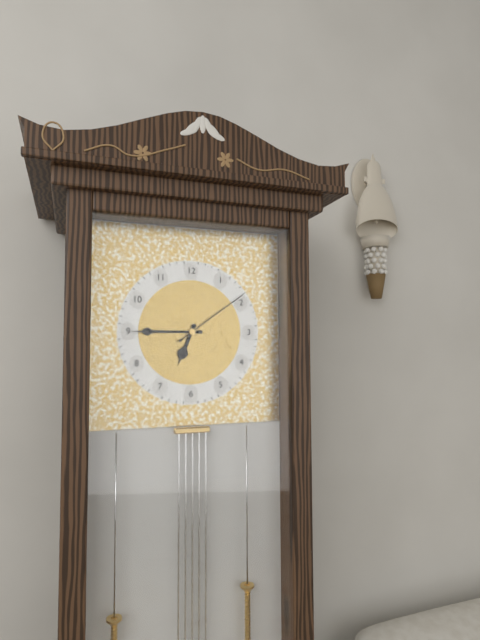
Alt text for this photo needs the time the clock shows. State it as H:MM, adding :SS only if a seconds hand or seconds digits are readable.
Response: 6:45:09
